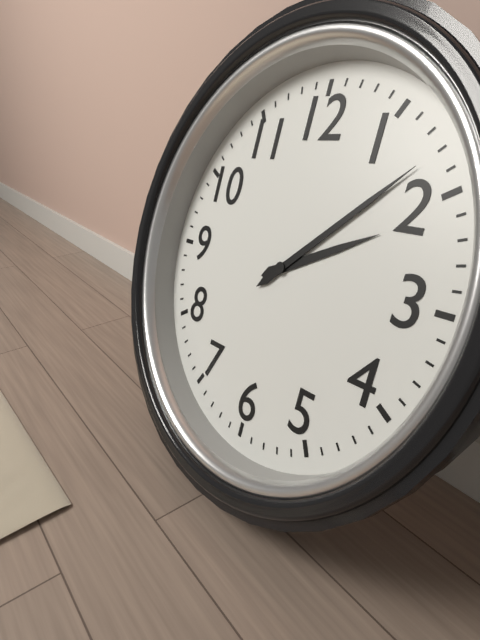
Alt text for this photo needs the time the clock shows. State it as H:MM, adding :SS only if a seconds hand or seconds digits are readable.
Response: 2:08
